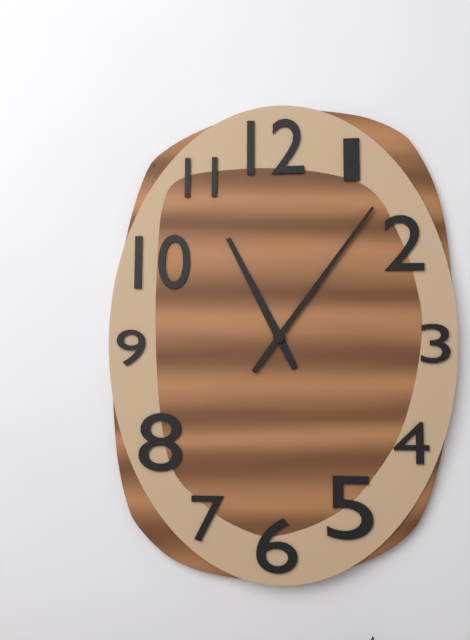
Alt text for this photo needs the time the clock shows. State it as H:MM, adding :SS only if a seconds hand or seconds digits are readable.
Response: 11:06
